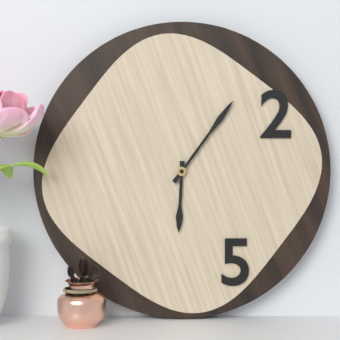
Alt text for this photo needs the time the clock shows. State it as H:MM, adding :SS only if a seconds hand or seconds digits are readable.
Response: 6:06
